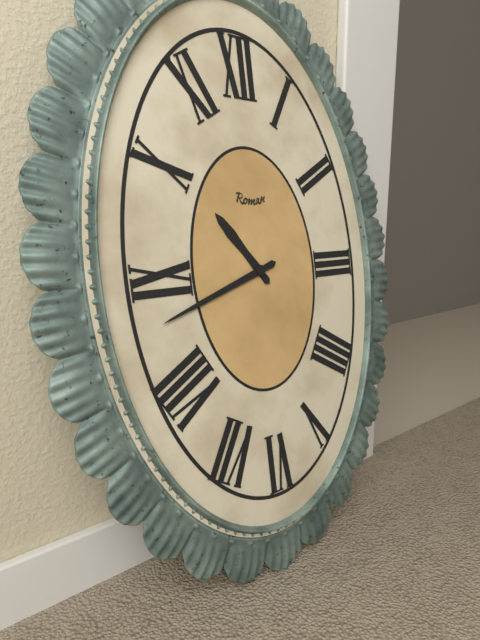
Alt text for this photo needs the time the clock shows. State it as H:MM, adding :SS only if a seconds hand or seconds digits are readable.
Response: 10:42
